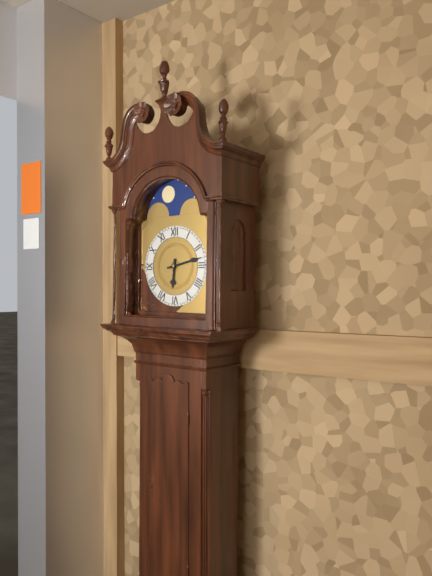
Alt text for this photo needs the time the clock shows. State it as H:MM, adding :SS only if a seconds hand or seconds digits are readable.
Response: 6:13
